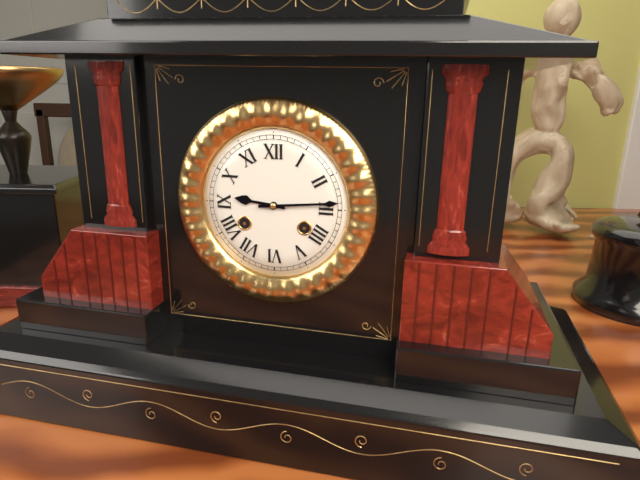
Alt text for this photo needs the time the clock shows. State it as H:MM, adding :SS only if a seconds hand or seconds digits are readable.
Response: 9:14
